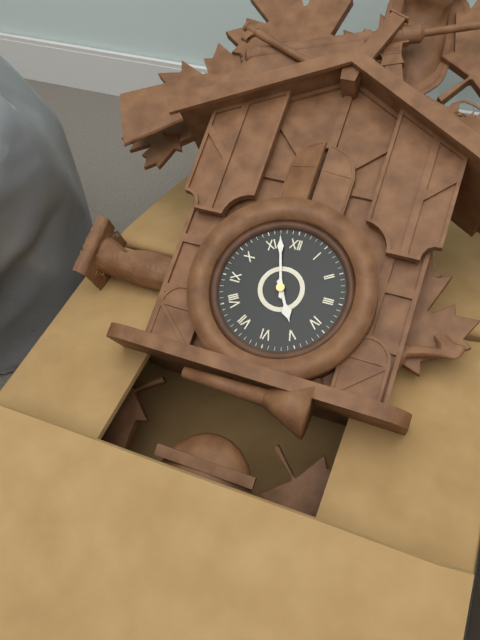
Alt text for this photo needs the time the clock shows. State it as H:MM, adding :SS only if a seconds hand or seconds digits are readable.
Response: 4:57
